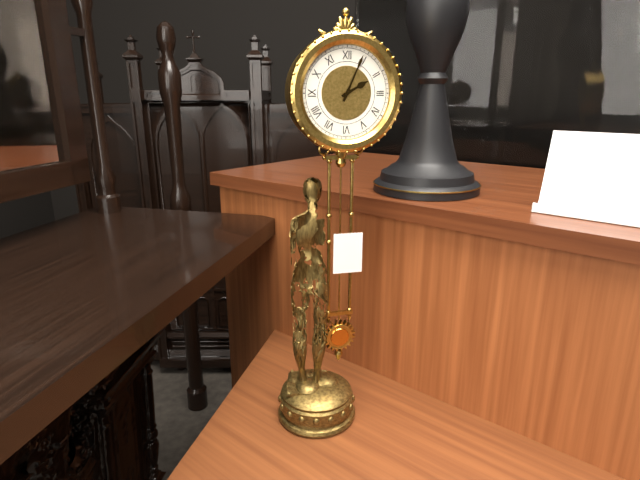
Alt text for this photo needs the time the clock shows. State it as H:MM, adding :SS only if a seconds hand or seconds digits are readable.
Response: 2:04
